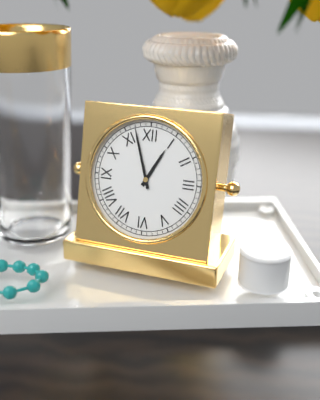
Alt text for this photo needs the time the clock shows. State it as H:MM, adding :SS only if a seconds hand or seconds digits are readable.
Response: 12:57
